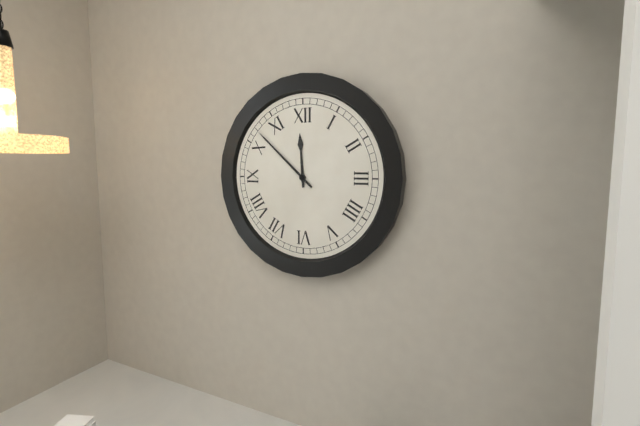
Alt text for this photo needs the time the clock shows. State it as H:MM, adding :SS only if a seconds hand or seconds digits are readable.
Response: 11:52
